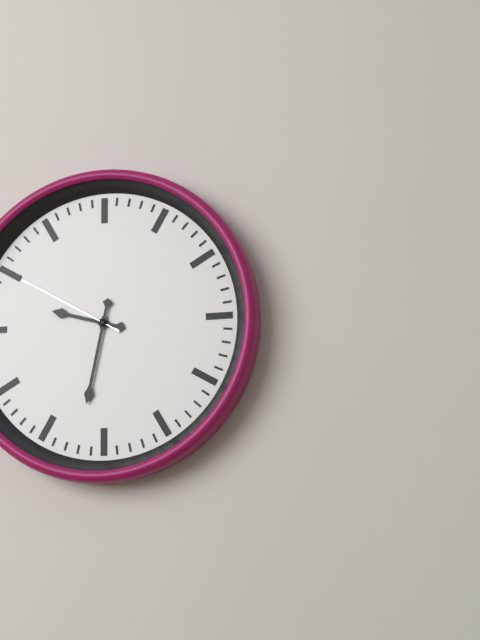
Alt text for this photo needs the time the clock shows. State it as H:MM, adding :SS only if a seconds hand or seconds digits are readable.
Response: 9:32:50
